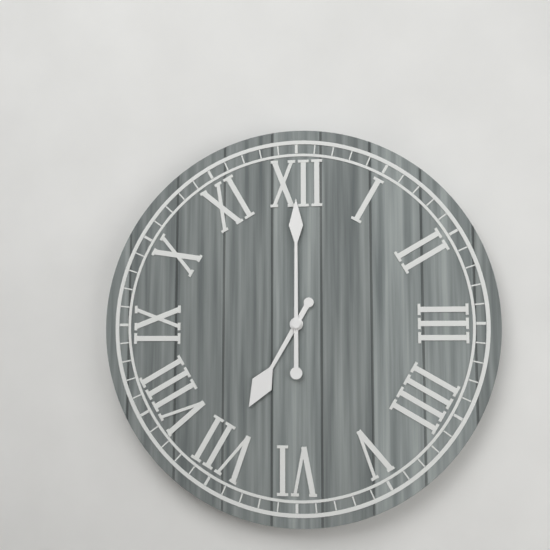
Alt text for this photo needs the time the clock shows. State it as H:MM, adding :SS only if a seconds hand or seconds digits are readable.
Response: 7:00
